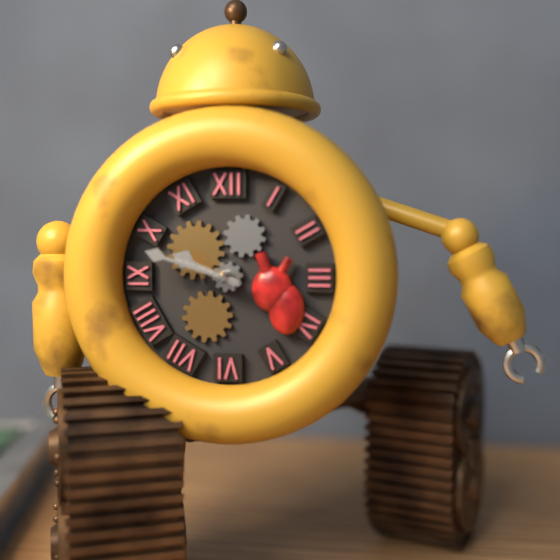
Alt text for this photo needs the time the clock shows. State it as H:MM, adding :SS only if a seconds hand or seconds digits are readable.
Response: 9:48
